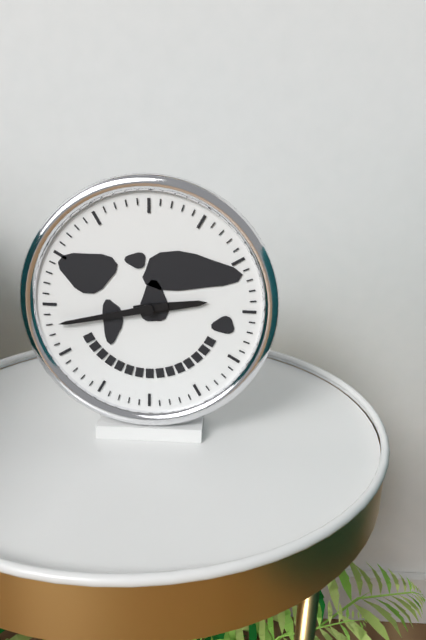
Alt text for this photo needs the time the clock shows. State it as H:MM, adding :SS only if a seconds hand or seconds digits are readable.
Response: 2:43
